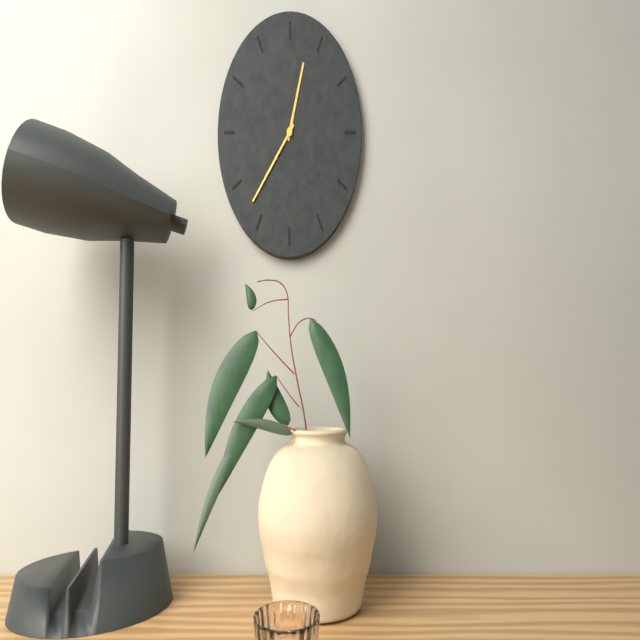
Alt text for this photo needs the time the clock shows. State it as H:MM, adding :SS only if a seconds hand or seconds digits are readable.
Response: 12:37
